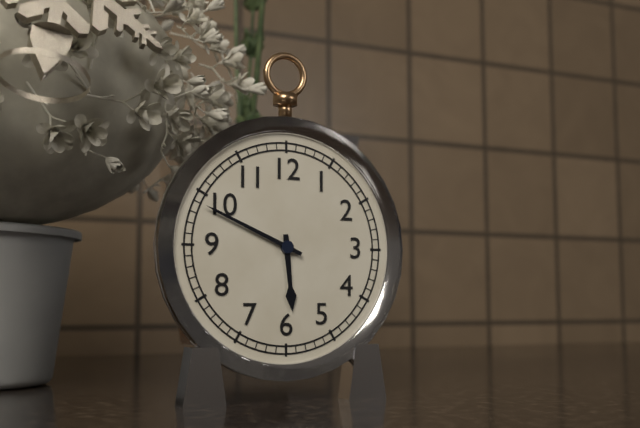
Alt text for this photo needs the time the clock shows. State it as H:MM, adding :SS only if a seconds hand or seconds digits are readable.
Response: 5:49
